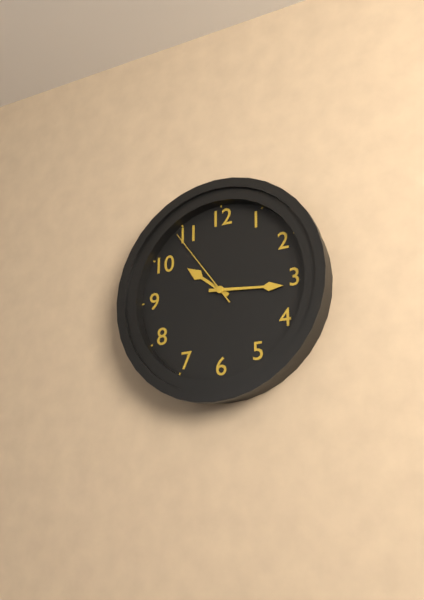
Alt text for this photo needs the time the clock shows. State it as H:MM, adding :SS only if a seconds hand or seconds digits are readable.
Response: 10:16:54
